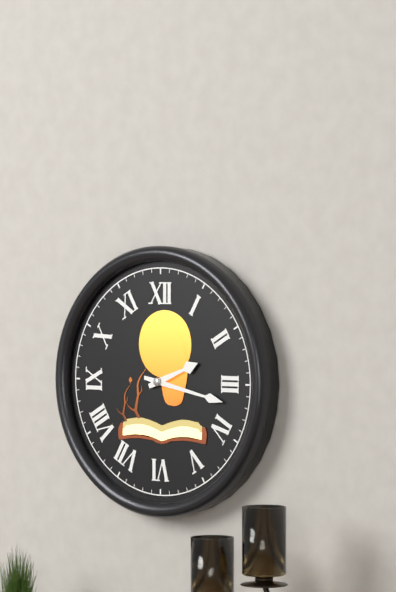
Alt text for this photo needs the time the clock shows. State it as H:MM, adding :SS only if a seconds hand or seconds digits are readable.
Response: 2:17
